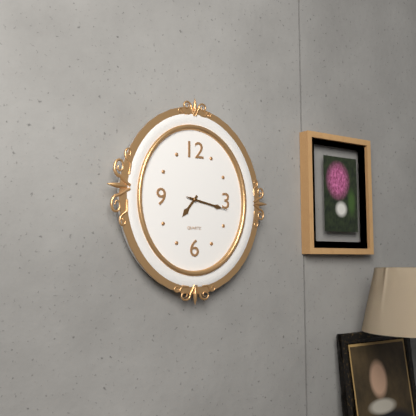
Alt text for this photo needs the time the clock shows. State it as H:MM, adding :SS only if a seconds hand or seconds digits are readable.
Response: 7:17:17
